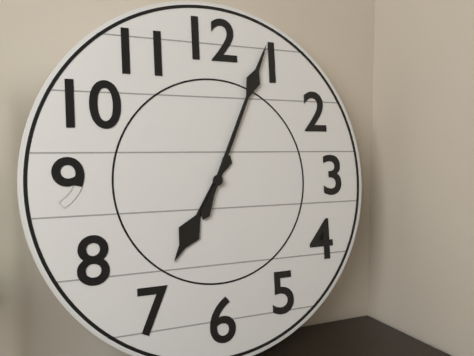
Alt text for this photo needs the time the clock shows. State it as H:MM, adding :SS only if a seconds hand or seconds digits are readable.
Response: 7:04
